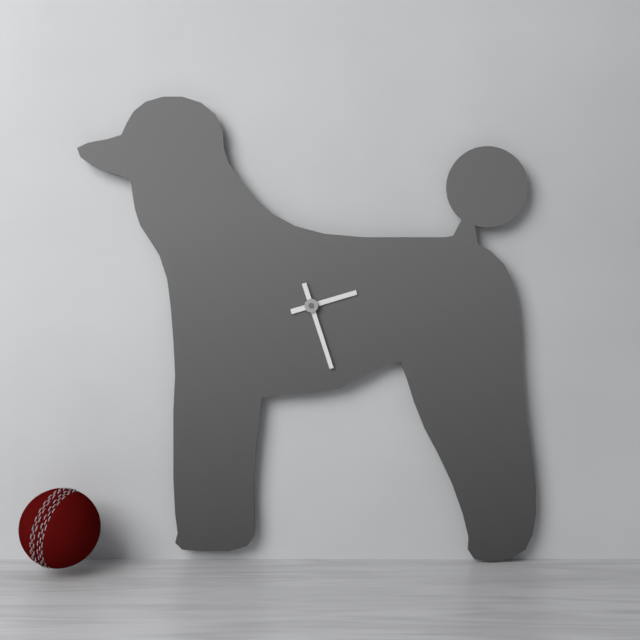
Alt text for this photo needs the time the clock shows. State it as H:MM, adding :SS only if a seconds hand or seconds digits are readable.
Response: 2:27
